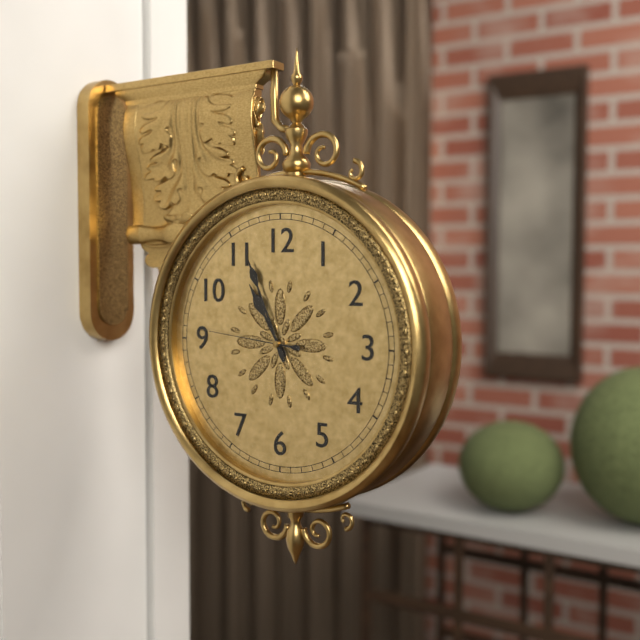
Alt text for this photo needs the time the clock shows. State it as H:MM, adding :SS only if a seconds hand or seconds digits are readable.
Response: 10:56:46
